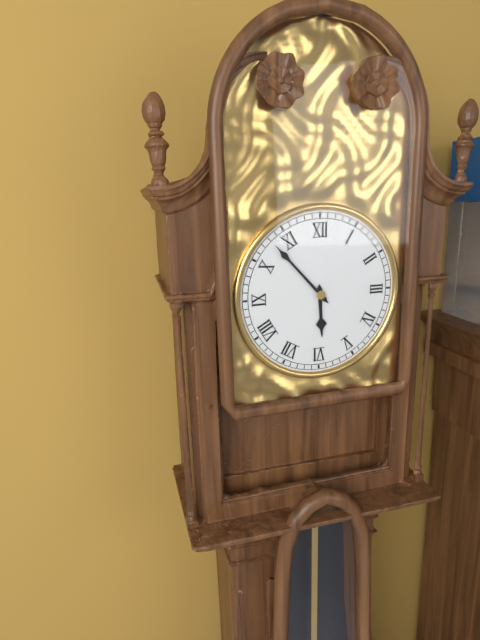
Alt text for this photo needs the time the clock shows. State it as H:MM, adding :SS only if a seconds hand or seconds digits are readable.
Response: 5:53
